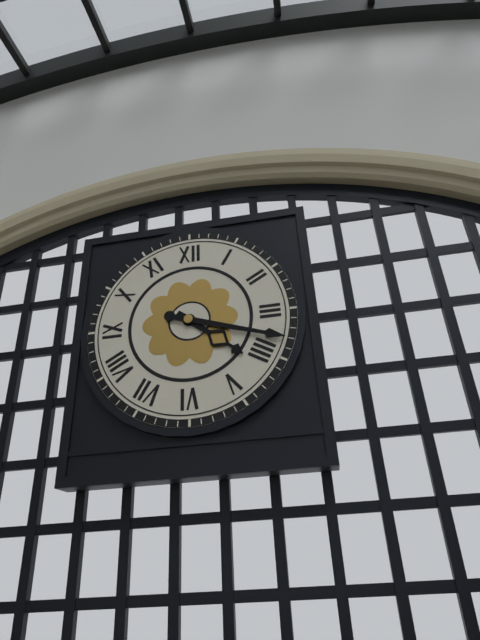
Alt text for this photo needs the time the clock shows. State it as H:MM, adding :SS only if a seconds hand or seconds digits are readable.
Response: 4:18
